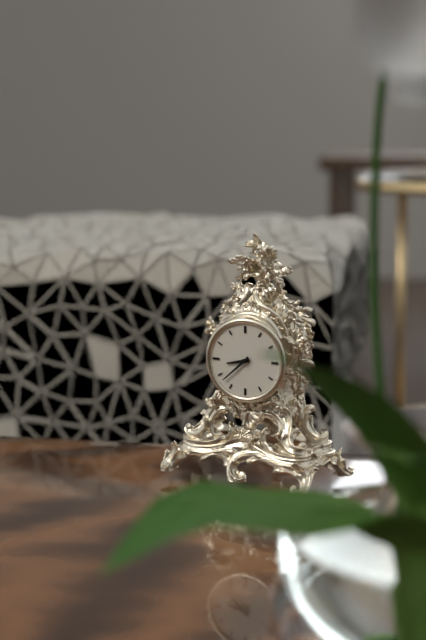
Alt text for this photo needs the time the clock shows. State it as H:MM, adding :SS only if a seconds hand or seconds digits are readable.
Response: 8:38
